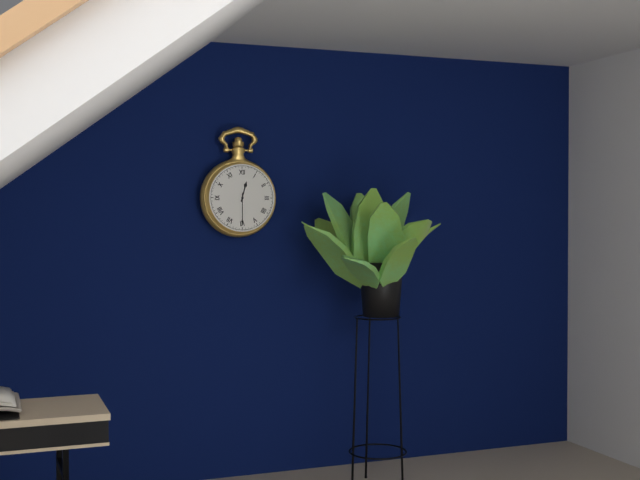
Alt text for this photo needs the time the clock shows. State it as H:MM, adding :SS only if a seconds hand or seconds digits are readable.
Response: 12:30
